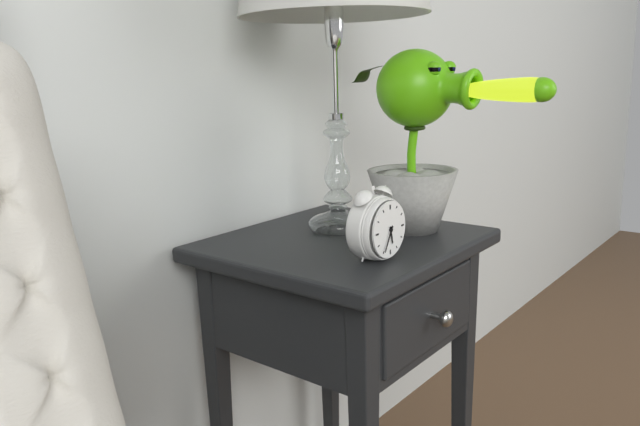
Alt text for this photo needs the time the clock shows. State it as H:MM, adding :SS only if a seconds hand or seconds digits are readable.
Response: 5:35
